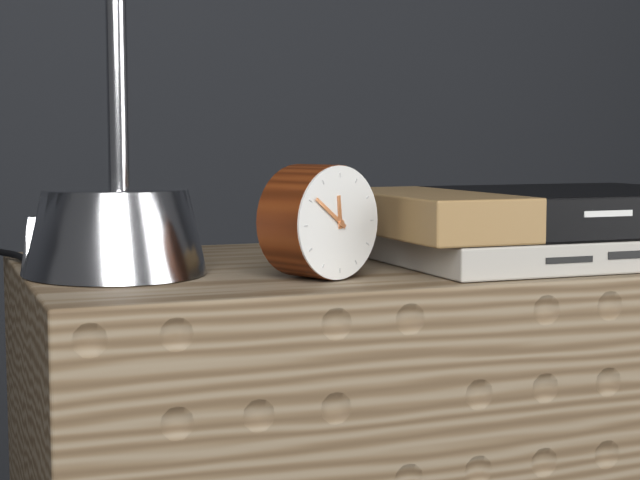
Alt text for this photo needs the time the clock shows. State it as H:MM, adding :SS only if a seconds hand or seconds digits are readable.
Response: 11:51
